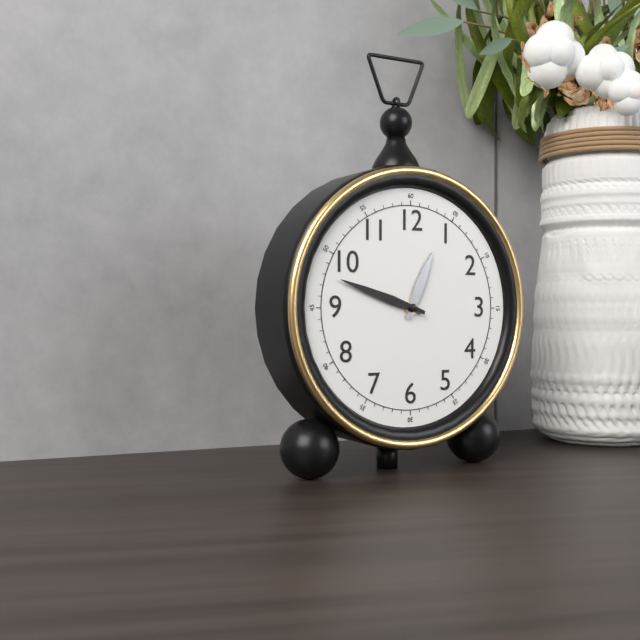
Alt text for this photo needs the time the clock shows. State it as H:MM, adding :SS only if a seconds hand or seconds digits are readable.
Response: 12:48
